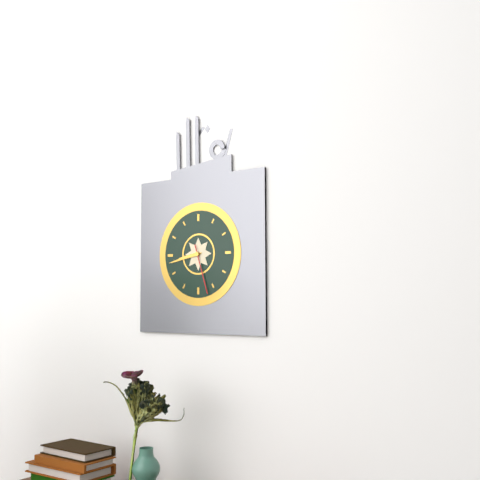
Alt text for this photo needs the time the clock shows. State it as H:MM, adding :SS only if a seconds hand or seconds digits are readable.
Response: 8:43:27
